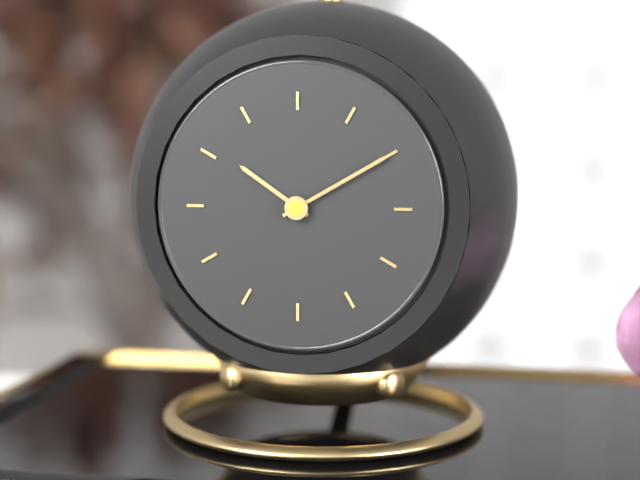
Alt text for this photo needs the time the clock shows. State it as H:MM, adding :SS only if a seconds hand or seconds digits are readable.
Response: 10:10
